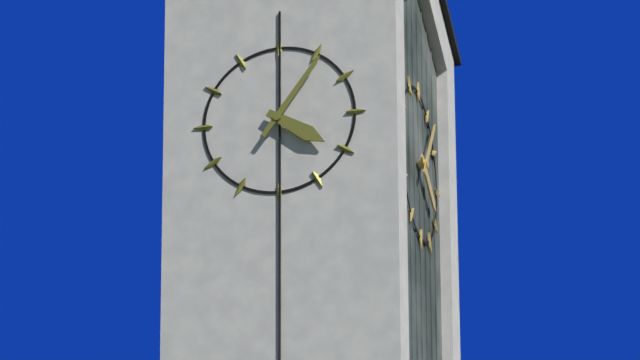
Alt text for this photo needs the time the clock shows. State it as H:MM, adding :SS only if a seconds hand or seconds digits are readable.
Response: 4:06
